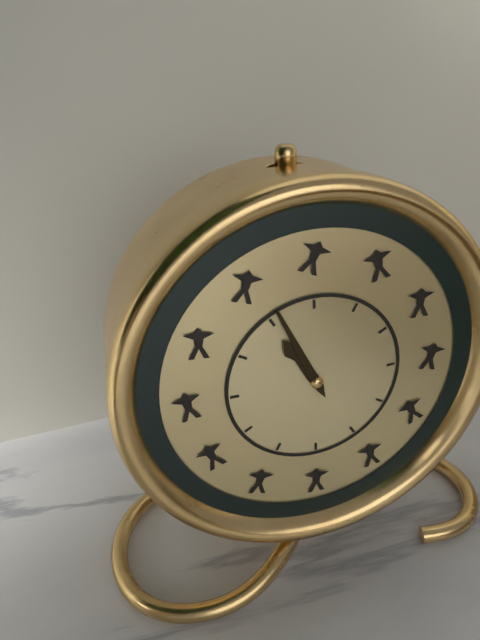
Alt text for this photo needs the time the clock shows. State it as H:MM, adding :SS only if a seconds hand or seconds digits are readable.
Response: 10:56
